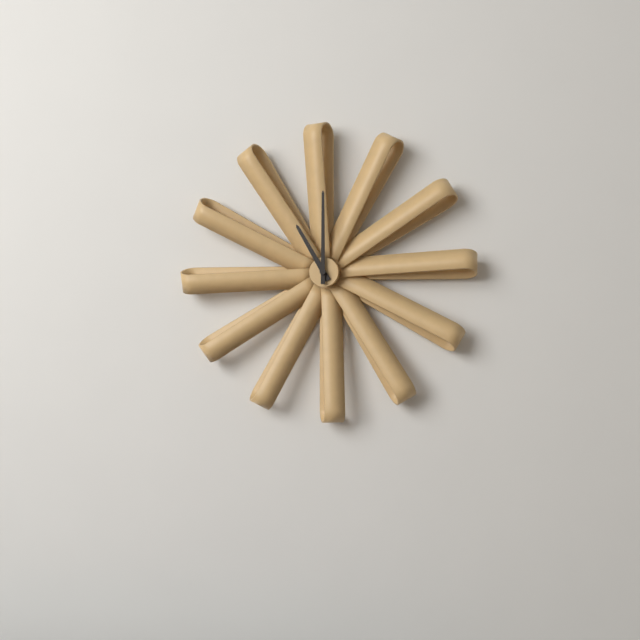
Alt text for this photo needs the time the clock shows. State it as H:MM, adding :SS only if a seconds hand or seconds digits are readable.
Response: 11:00
